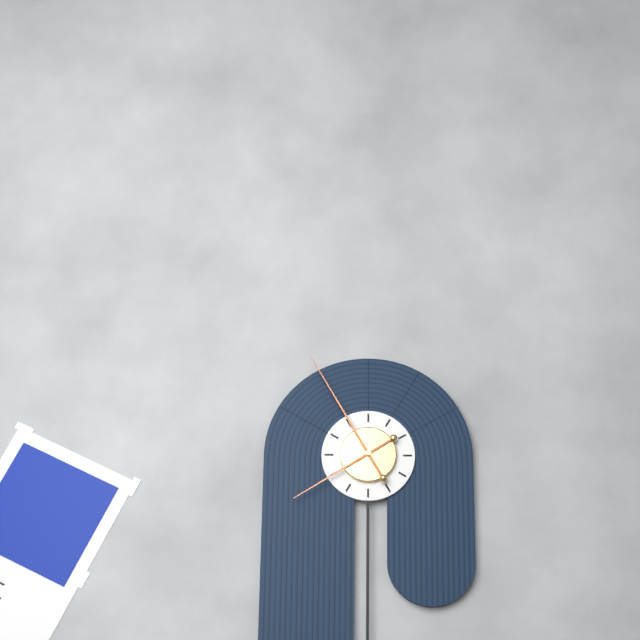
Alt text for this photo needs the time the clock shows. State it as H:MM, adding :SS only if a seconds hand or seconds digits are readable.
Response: 7:55
